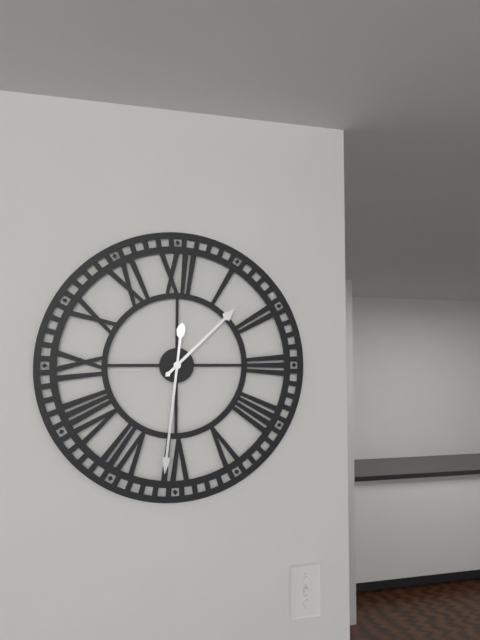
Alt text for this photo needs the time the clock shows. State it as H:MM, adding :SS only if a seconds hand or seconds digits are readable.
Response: 1:31
